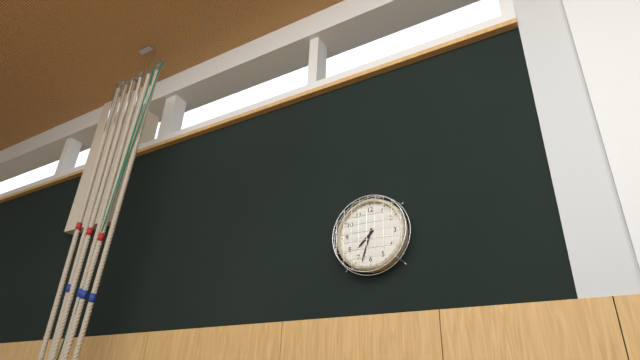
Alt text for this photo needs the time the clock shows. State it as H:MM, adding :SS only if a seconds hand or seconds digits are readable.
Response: 7:33
